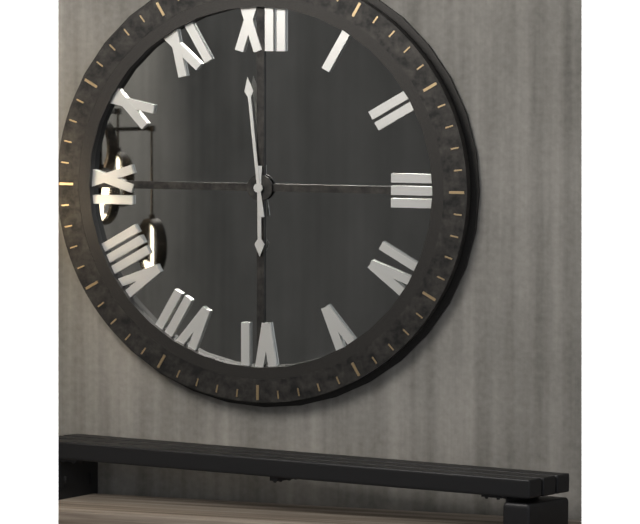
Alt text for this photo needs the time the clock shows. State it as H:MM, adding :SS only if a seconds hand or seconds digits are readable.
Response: 5:59
